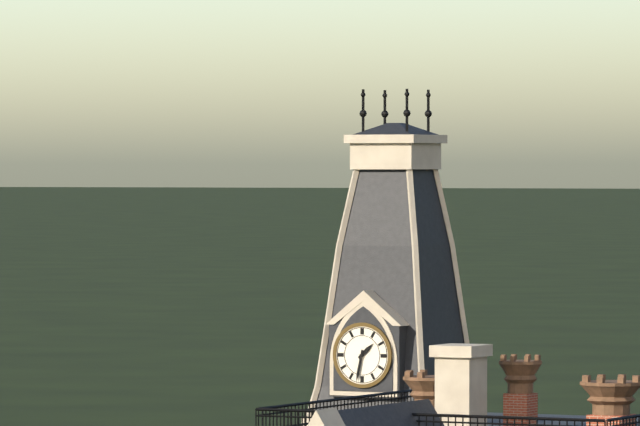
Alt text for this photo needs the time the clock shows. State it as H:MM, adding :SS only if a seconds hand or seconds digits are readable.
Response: 1:32
